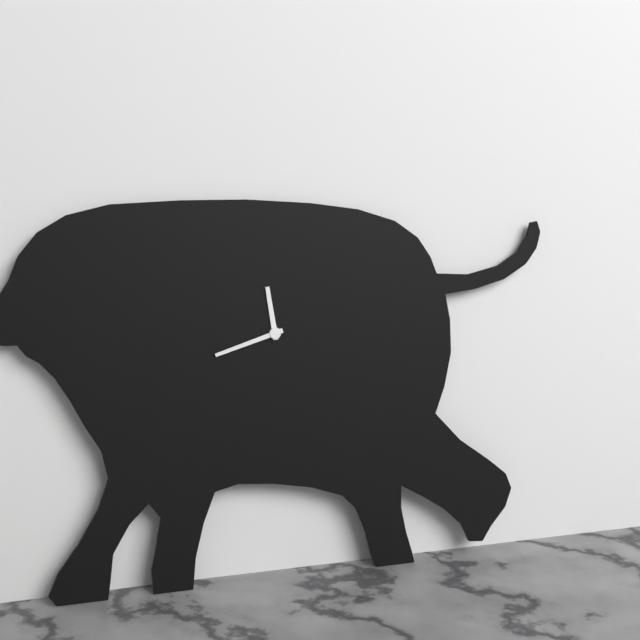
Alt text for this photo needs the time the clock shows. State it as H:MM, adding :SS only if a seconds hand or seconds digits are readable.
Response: 11:42
